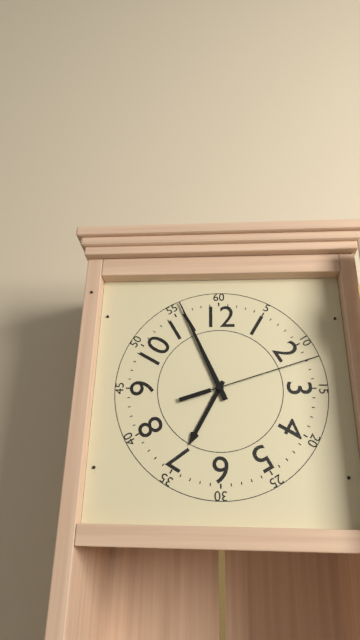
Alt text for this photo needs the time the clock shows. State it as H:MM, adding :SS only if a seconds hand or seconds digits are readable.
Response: 6:56:12
